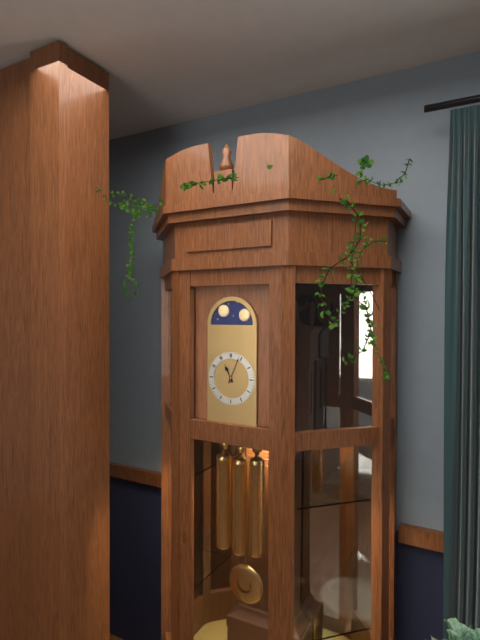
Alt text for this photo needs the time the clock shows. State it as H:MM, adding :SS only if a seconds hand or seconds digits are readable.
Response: 11:04
